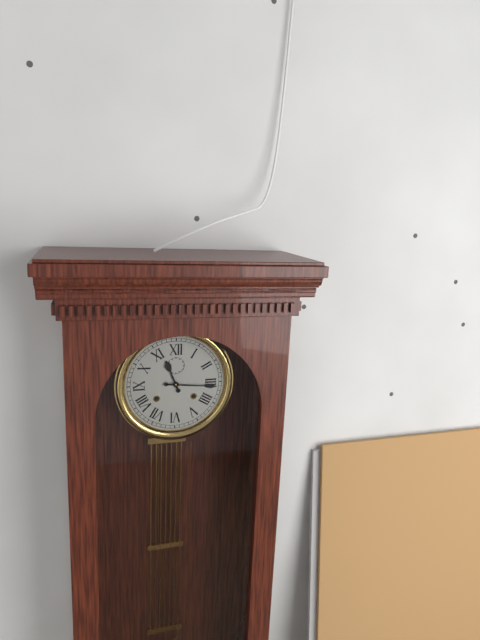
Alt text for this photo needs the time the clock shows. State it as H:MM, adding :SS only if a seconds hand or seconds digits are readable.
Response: 11:16
